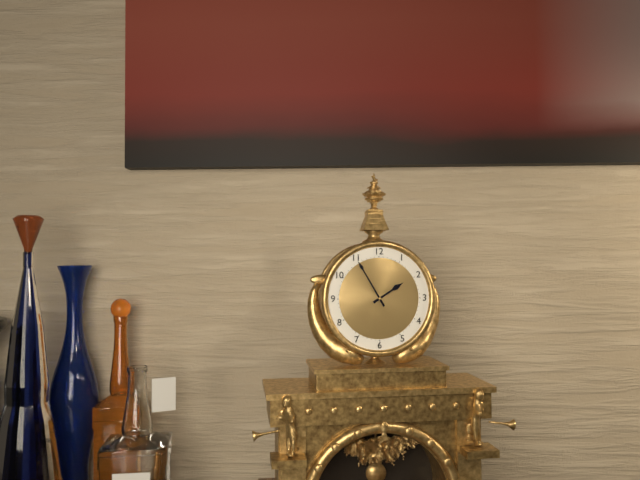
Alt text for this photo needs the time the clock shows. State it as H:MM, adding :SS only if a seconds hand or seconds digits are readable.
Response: 1:55
